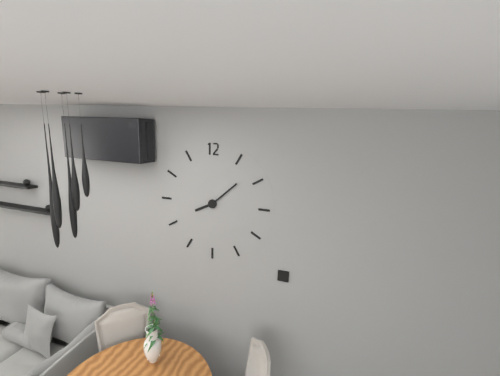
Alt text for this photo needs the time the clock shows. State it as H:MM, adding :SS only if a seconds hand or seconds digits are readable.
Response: 8:08
